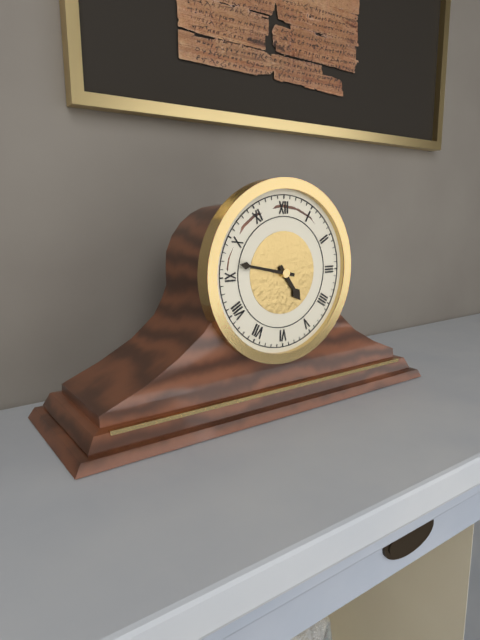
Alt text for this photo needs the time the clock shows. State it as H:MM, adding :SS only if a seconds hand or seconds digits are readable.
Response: 4:47
